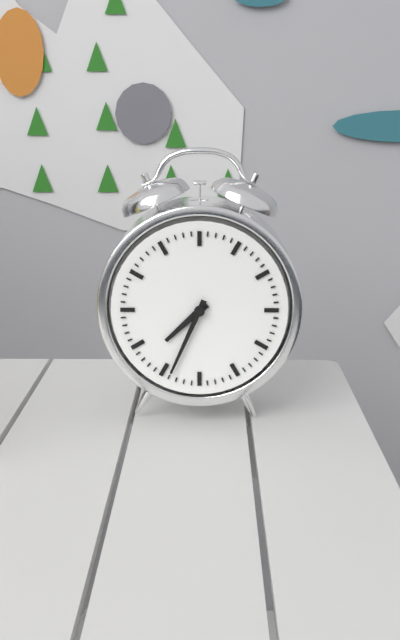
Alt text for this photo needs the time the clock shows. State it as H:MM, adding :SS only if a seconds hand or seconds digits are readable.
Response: 7:34
